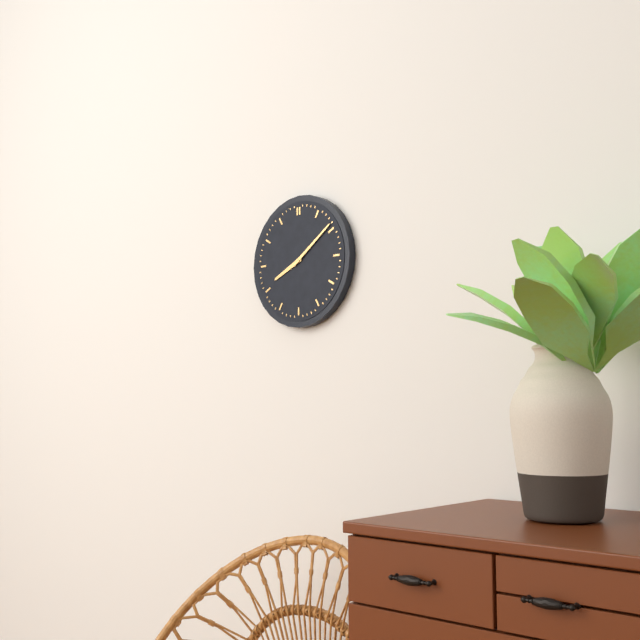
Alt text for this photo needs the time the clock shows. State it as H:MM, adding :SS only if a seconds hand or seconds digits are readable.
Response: 8:09
